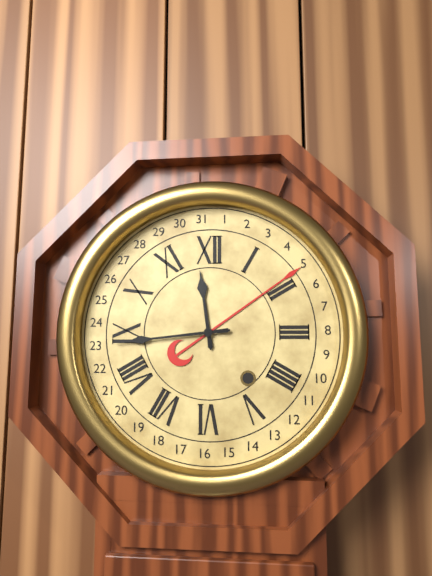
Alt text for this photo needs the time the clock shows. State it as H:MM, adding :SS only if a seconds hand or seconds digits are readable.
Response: 11:44
